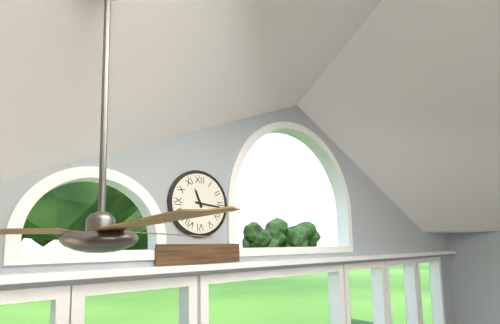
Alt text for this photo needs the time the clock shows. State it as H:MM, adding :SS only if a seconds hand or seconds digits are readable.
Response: 11:16
